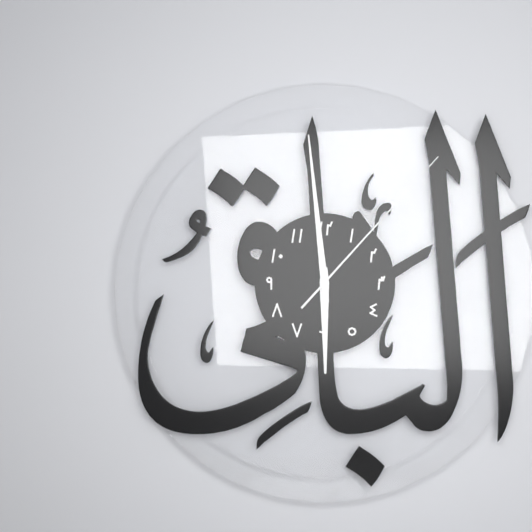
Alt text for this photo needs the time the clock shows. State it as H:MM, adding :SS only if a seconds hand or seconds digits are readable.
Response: 5:59:07
